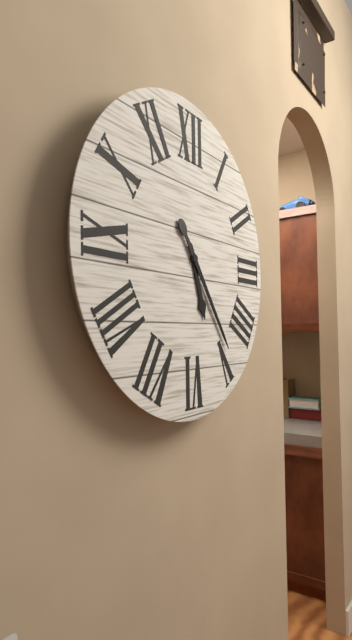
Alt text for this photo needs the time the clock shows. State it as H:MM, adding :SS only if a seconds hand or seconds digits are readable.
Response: 5:24
